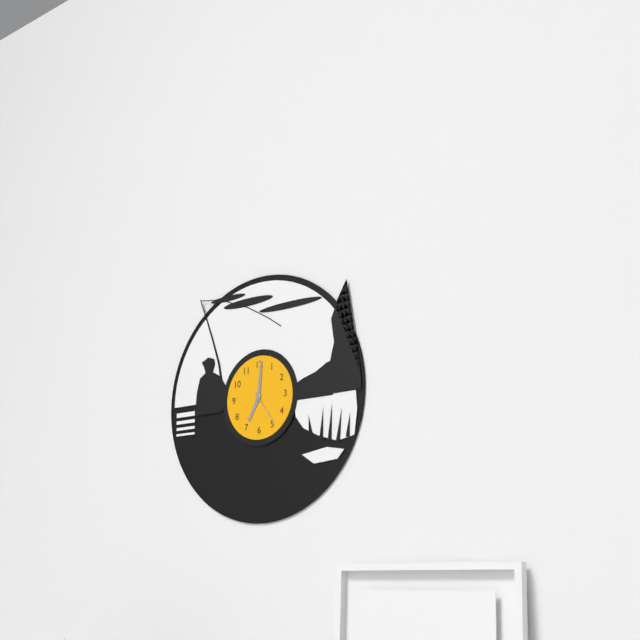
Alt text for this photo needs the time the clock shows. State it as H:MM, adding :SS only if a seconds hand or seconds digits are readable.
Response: 7:01
